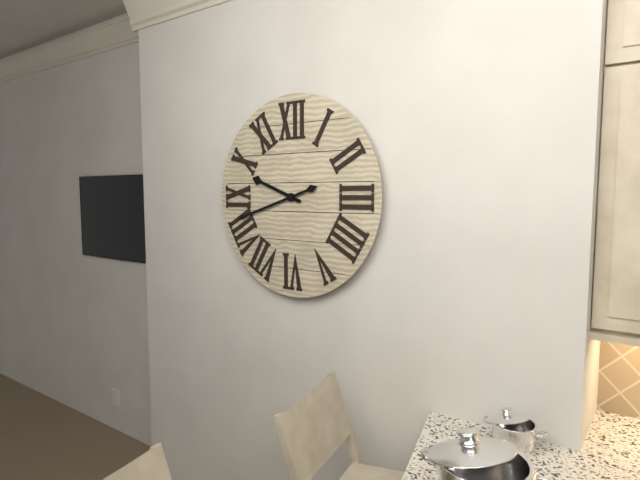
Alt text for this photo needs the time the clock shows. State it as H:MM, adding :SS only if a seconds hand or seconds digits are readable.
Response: 9:42
